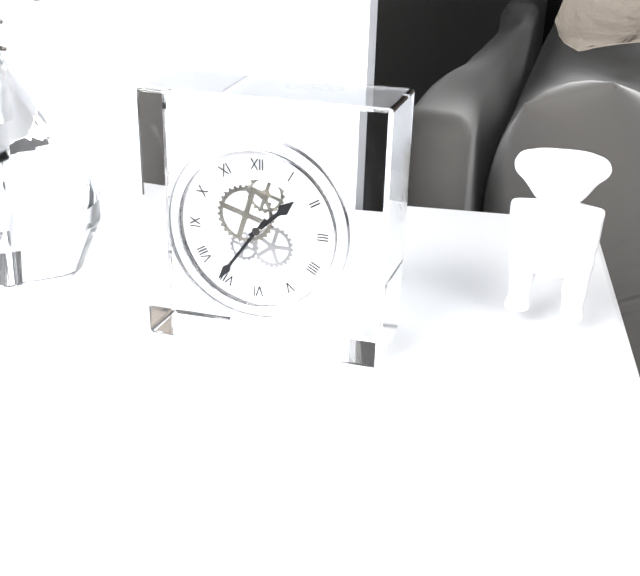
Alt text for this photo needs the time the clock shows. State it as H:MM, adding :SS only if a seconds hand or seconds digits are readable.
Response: 1:36
